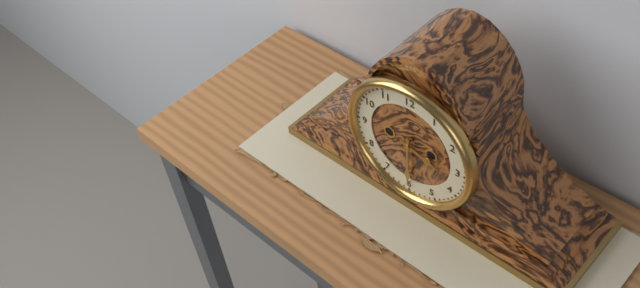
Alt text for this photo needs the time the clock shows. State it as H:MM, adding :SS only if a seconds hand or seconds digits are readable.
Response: 3:30
